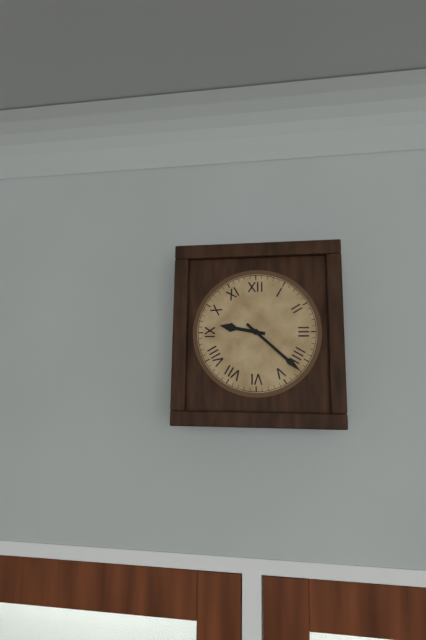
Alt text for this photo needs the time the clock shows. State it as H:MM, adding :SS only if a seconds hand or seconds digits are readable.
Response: 9:22
